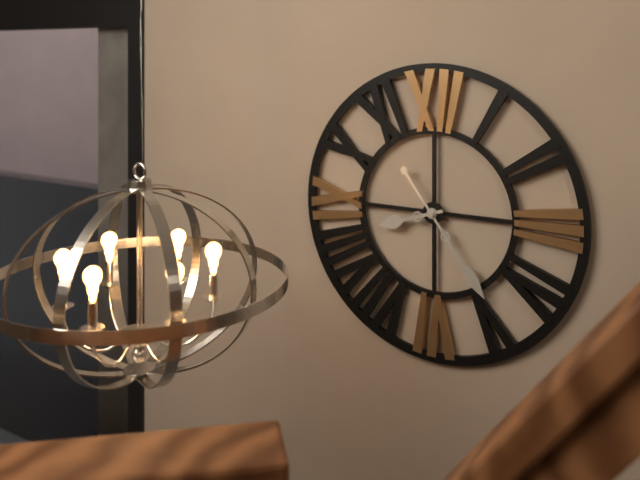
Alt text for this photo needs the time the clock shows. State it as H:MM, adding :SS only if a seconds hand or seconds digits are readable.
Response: 8:24
